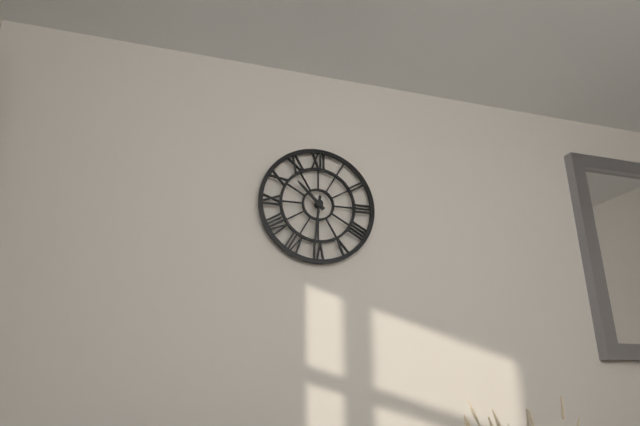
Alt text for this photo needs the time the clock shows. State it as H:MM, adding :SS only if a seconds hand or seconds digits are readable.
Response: 10:31
